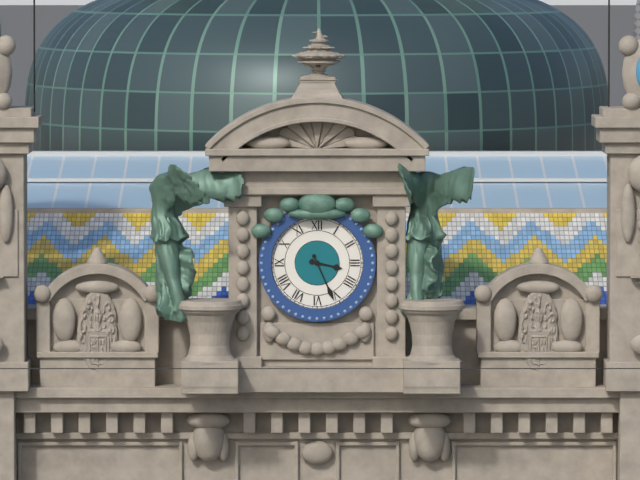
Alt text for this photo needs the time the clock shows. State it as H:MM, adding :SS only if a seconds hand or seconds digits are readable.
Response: 3:26
